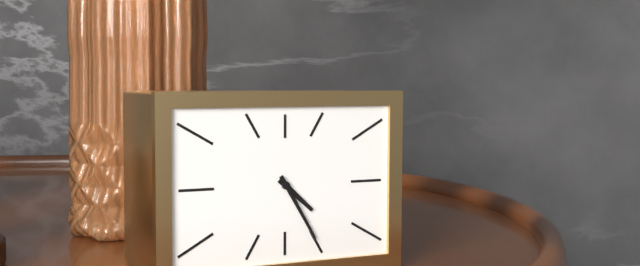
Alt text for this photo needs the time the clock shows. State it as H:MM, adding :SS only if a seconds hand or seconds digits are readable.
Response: 4:25
